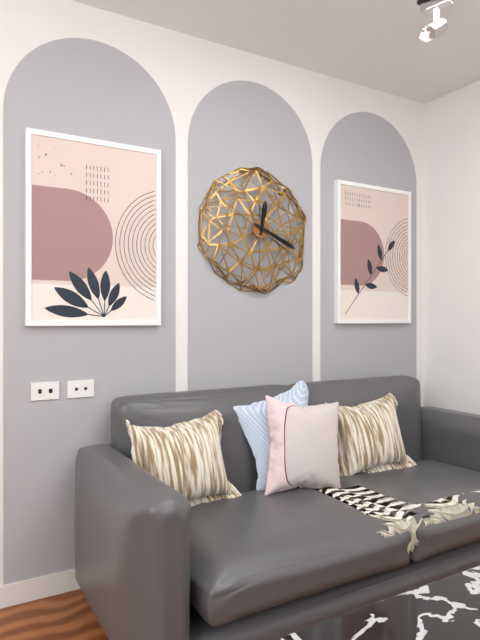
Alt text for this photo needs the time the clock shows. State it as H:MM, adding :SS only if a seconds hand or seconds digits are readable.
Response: 12:19
